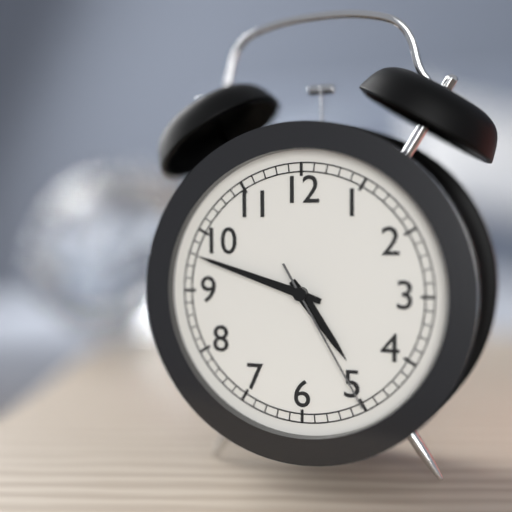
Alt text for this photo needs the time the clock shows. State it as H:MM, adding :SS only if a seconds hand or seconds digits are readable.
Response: 4:48:25
